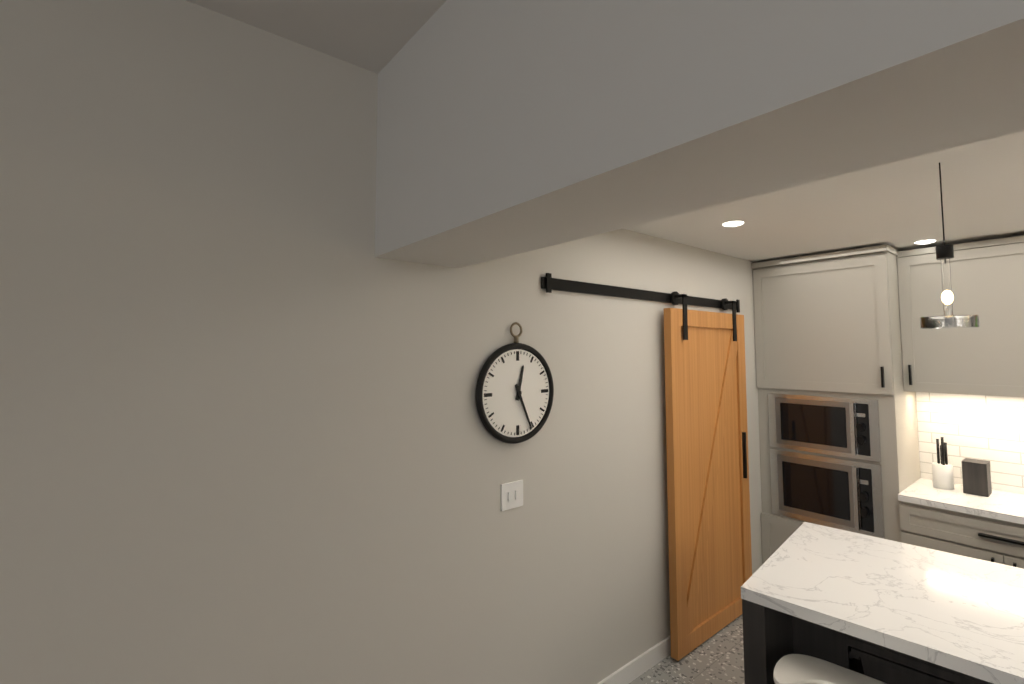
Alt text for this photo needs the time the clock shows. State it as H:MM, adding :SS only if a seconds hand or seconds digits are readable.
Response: 12:26
